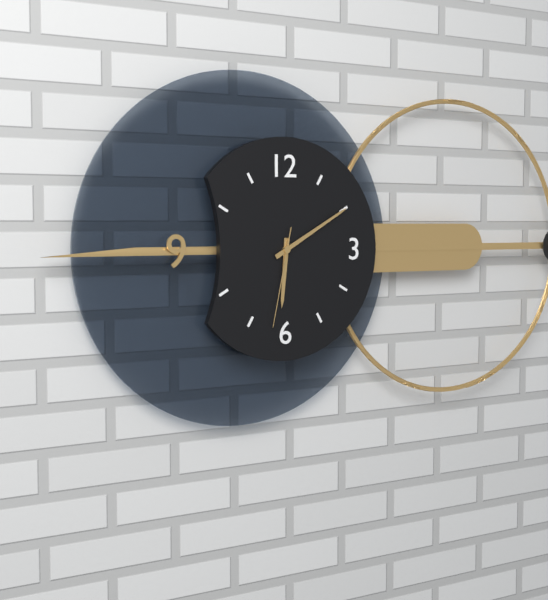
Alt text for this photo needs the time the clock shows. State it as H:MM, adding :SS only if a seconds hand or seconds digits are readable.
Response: 6:10:32
